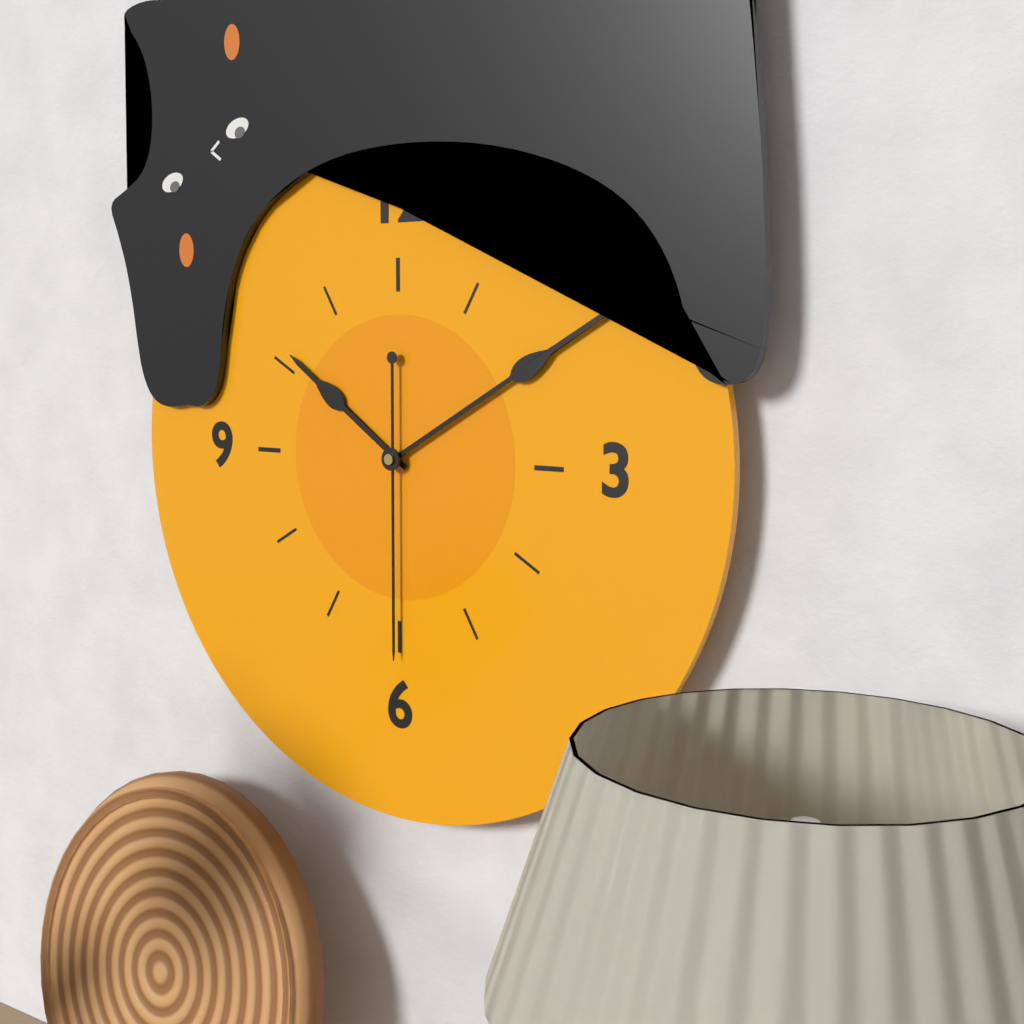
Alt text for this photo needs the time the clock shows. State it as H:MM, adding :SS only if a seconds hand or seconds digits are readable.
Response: 10:10:30
